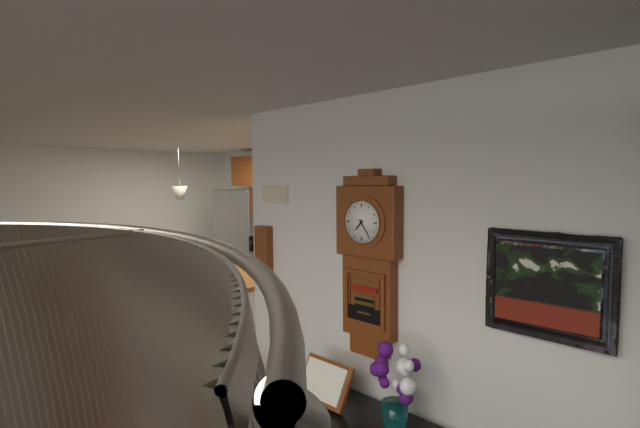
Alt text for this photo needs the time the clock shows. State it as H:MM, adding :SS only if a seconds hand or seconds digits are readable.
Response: 7:24
